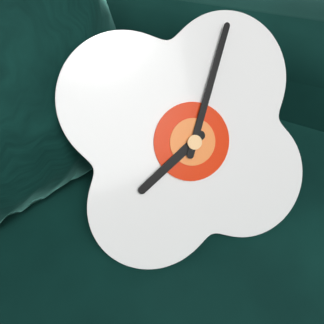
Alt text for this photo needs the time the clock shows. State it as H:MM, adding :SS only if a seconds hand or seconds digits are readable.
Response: 8:05
